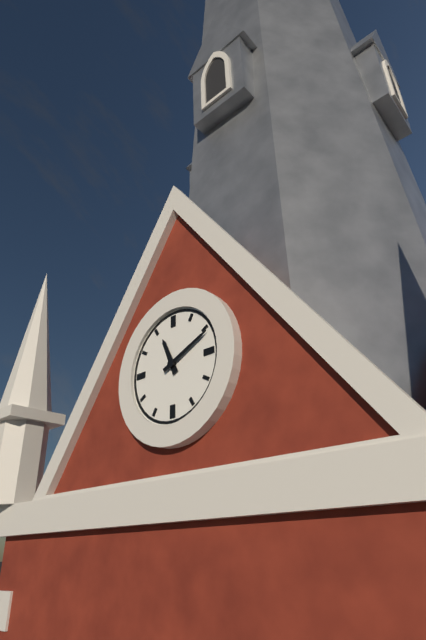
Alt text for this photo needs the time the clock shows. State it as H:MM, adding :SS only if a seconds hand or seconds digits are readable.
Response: 11:11
